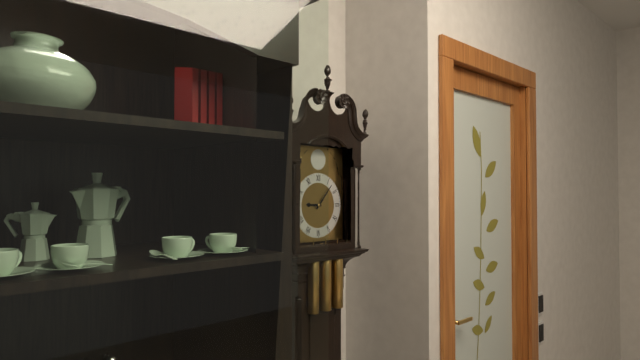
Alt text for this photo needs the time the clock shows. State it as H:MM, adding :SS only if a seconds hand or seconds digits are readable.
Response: 9:07
